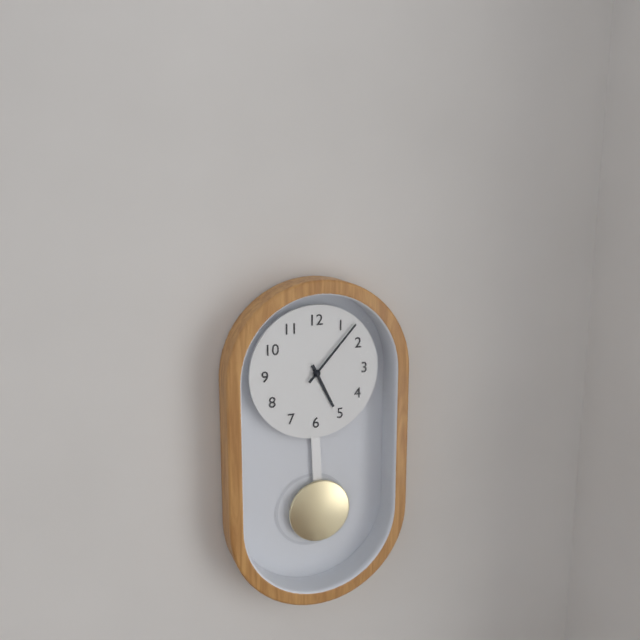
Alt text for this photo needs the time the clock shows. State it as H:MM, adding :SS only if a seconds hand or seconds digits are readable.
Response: 5:07
